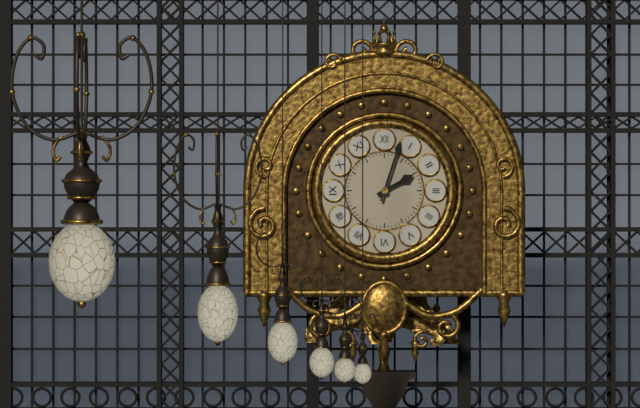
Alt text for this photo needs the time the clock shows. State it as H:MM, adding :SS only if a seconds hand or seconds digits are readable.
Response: 2:03
